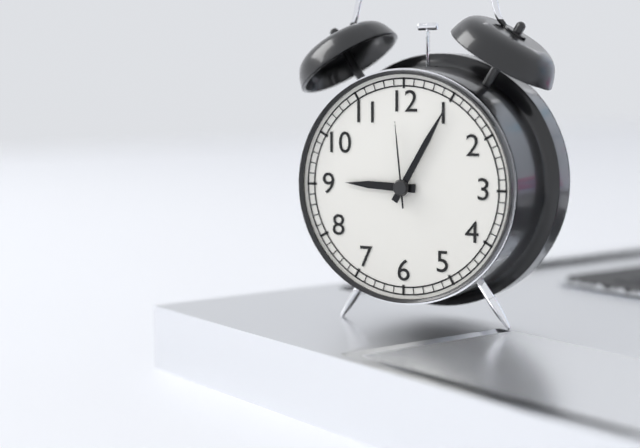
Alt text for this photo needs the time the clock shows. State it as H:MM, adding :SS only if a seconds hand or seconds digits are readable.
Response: 9:05:59
